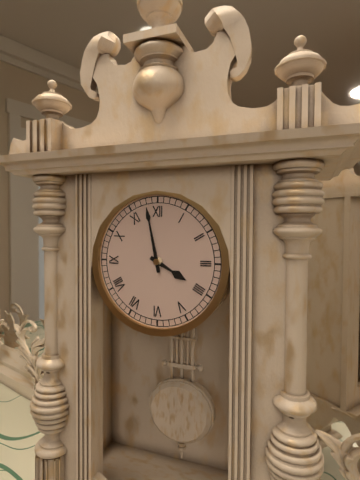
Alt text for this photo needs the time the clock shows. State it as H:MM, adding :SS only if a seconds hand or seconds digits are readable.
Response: 3:58
